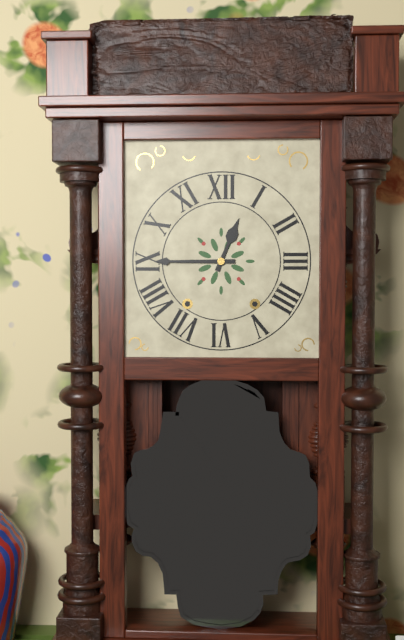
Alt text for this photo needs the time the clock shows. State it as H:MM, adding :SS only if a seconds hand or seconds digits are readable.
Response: 12:45
